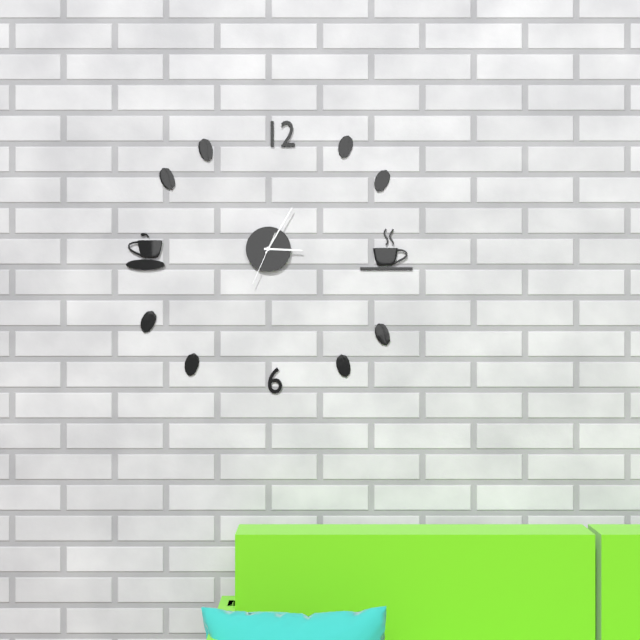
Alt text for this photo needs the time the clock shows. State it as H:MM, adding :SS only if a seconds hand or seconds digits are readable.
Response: 3:05
